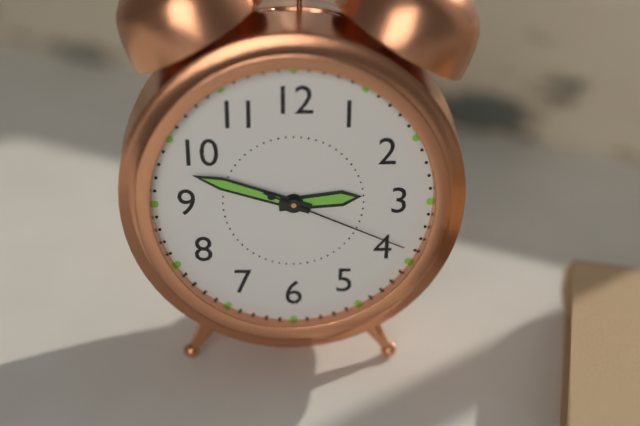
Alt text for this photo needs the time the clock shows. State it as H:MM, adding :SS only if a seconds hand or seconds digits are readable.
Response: 2:48:19
